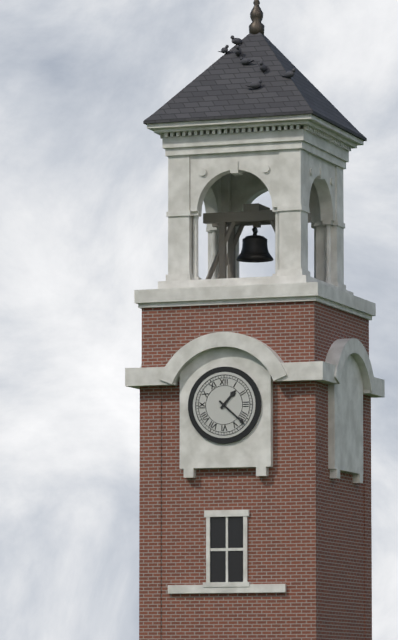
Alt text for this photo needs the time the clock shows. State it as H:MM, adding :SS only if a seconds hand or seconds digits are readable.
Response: 1:22
